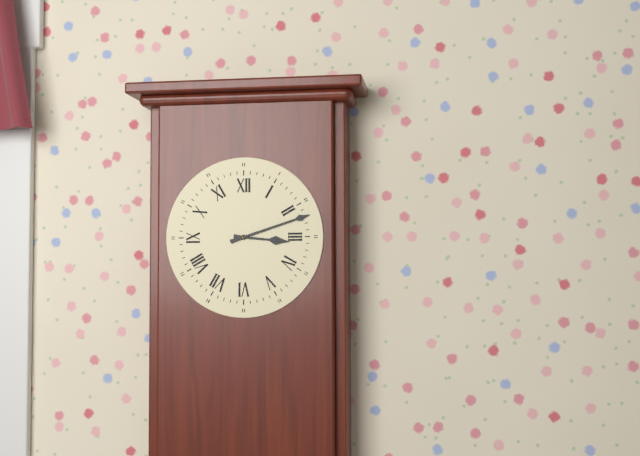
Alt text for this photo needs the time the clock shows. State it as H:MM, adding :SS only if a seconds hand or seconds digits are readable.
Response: 3:12
